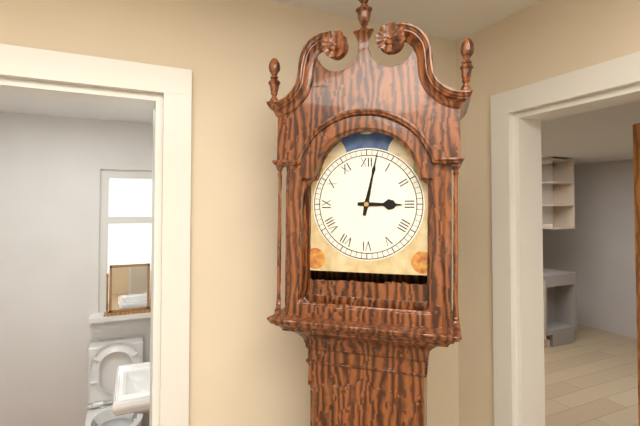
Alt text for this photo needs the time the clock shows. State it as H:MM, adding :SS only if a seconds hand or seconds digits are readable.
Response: 3:02
